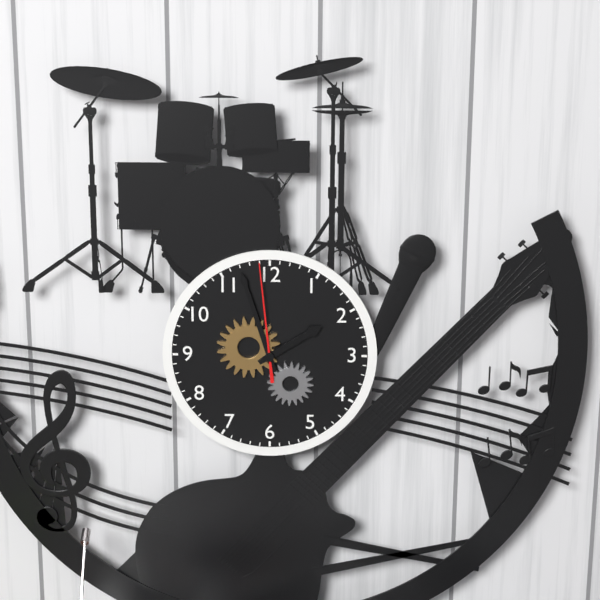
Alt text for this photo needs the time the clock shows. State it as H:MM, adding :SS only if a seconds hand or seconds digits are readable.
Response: 1:57:59
